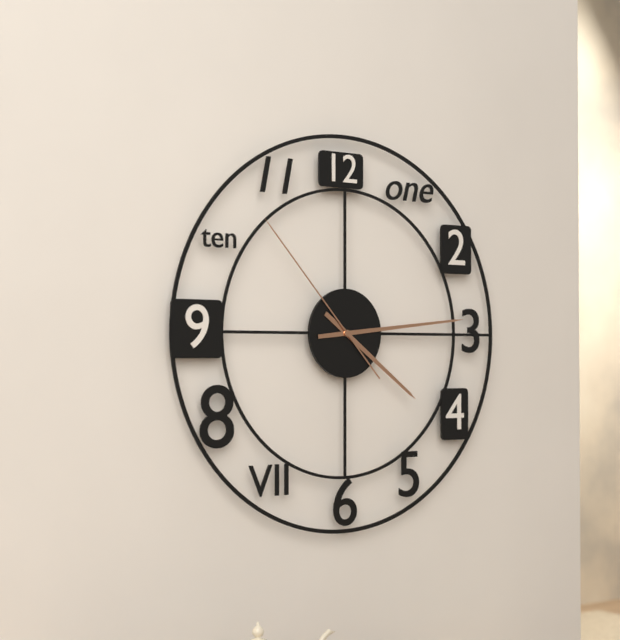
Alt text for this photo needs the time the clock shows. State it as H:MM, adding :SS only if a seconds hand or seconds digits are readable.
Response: 4:14:53
